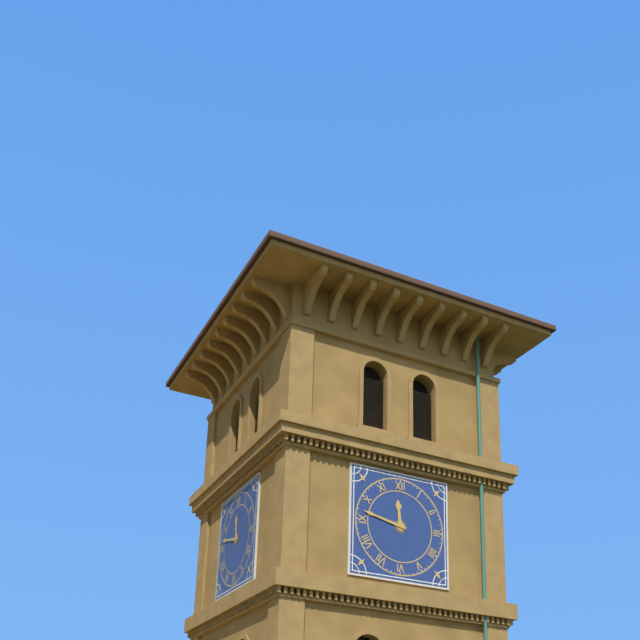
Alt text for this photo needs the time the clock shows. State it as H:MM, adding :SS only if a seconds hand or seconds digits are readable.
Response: 11:47
